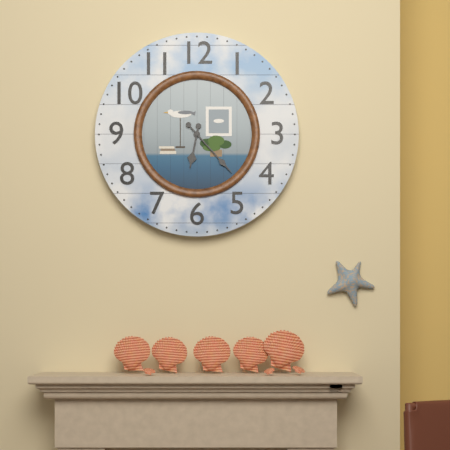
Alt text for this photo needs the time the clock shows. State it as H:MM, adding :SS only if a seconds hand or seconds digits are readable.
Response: 6:23
